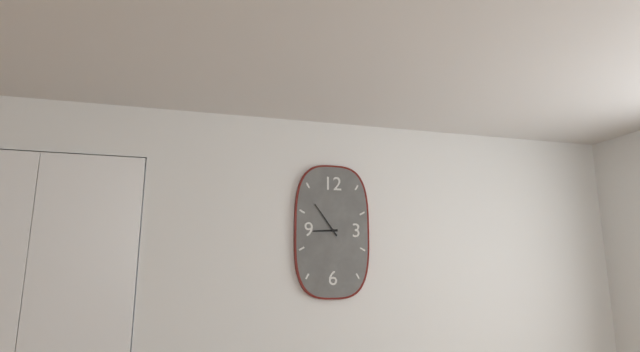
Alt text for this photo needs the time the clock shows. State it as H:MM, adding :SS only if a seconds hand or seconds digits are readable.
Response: 8:54
